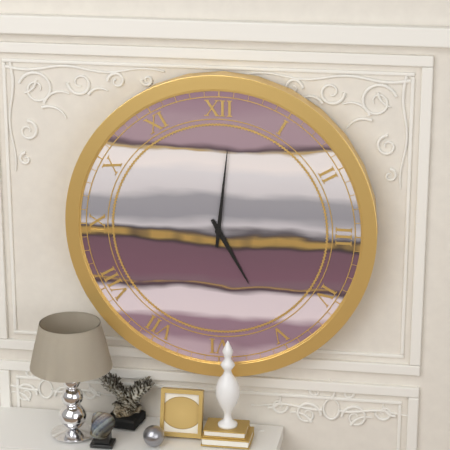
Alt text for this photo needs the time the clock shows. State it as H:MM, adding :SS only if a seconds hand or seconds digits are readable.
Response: 5:01
